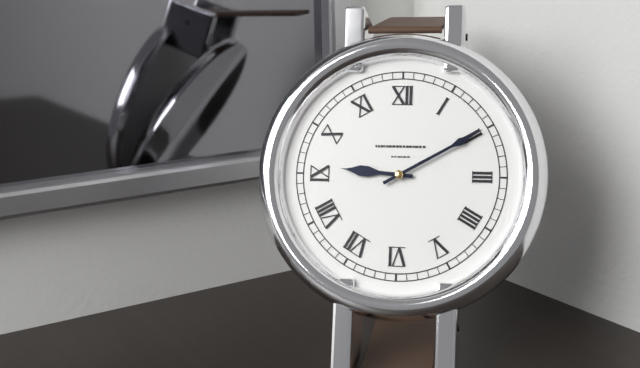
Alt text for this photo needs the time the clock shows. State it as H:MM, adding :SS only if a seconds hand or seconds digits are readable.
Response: 9:10
